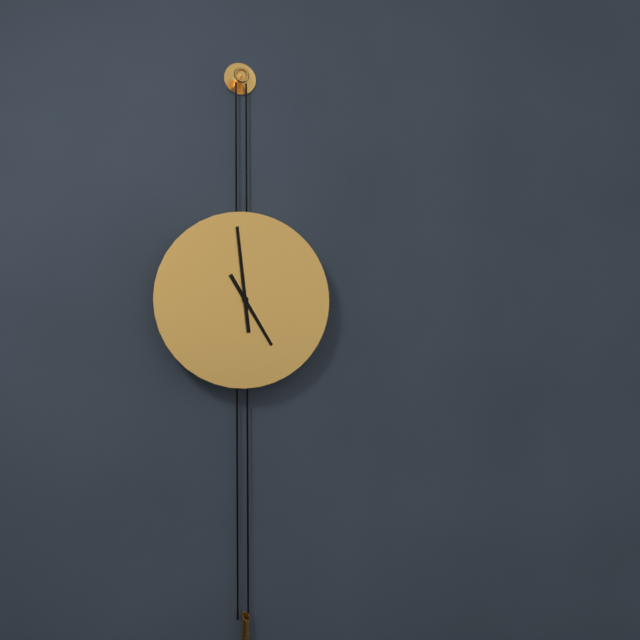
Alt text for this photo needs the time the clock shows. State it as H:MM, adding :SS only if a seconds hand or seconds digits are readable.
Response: 4:59
